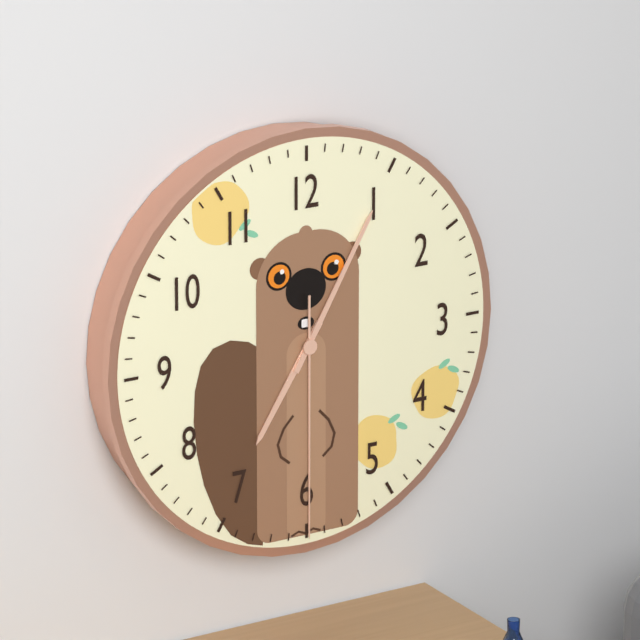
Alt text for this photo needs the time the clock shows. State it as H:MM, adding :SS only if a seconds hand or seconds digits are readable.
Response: 7:05:30
